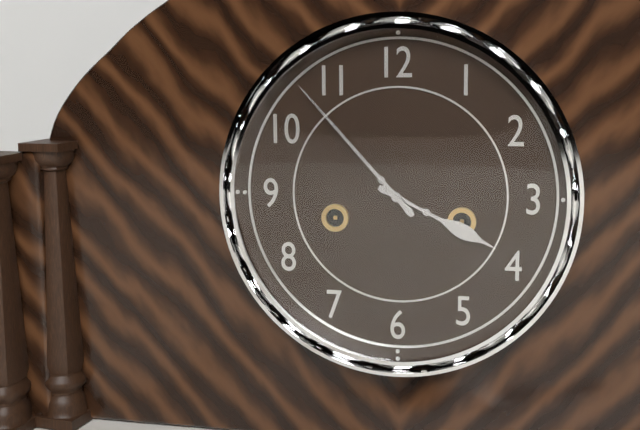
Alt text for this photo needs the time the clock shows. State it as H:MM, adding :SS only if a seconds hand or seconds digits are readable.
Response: 3:53
